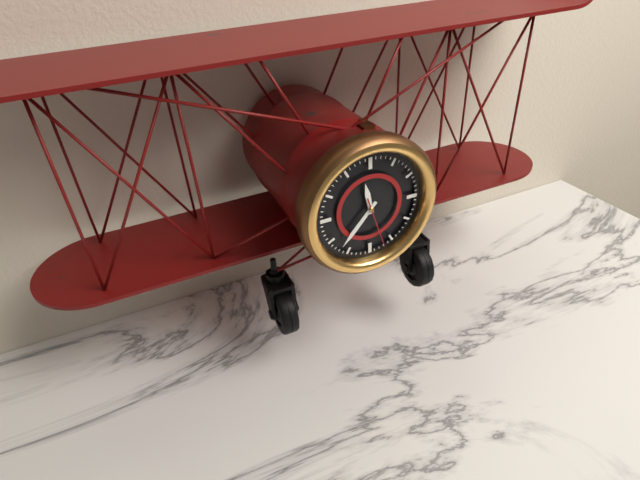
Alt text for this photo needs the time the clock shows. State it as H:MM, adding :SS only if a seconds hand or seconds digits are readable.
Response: 11:37
